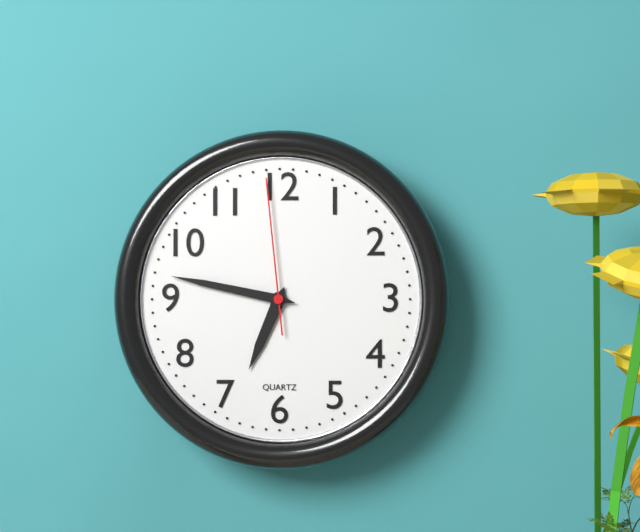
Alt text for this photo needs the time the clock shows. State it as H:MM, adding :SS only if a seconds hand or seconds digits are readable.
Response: 6:47:59
